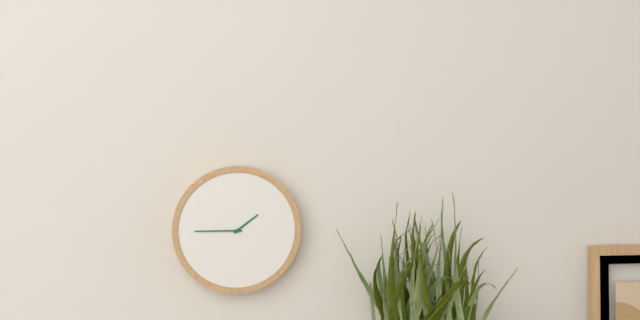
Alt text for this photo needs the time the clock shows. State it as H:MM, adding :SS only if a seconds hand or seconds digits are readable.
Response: 1:45
